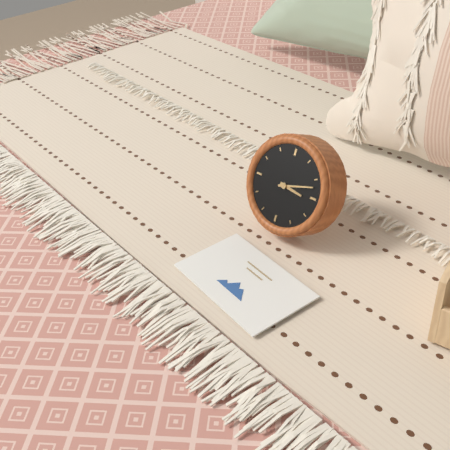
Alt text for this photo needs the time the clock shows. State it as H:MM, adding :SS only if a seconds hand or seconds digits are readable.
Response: 3:12
